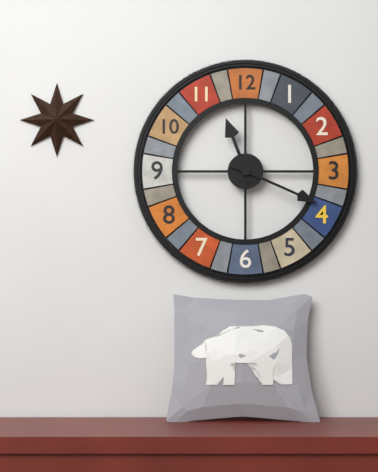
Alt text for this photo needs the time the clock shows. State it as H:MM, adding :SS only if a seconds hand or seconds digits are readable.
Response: 11:19
